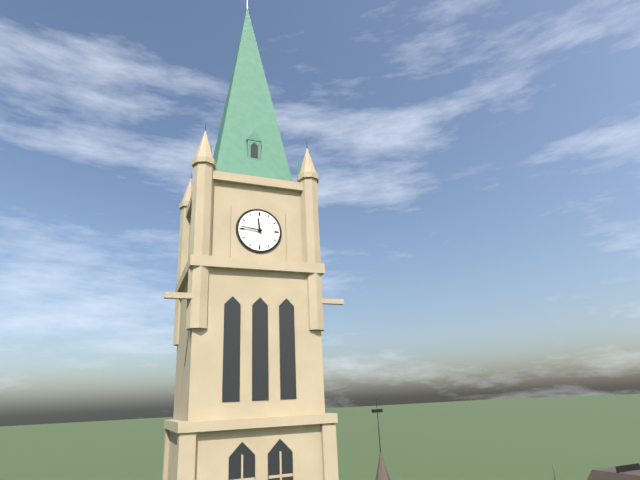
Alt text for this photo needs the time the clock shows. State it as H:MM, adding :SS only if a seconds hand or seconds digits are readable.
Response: 11:46
